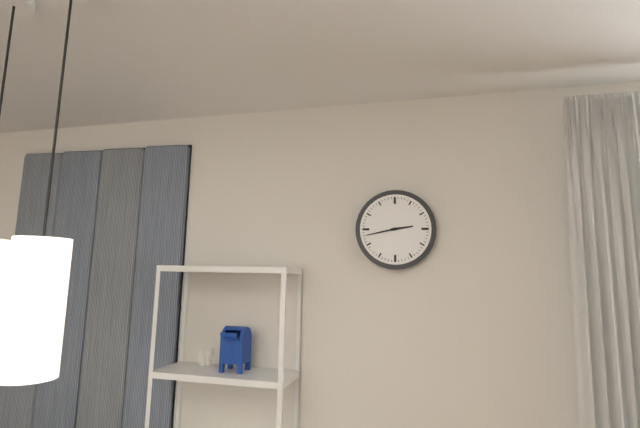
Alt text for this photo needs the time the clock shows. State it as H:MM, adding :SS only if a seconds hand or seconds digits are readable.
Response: 2:43
